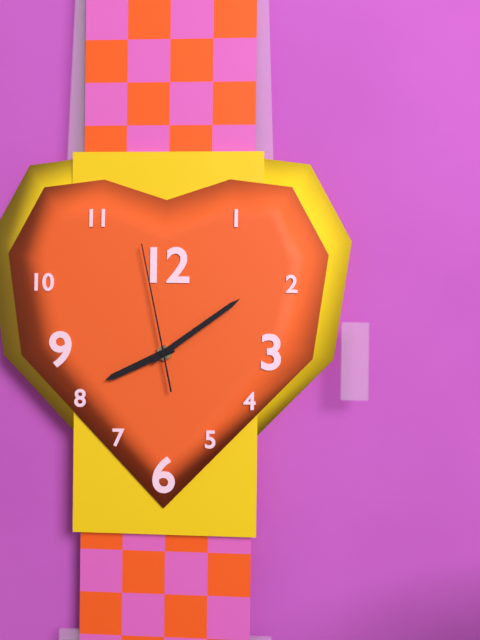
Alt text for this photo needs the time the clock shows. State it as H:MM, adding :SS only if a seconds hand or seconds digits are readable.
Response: 8:09:58
